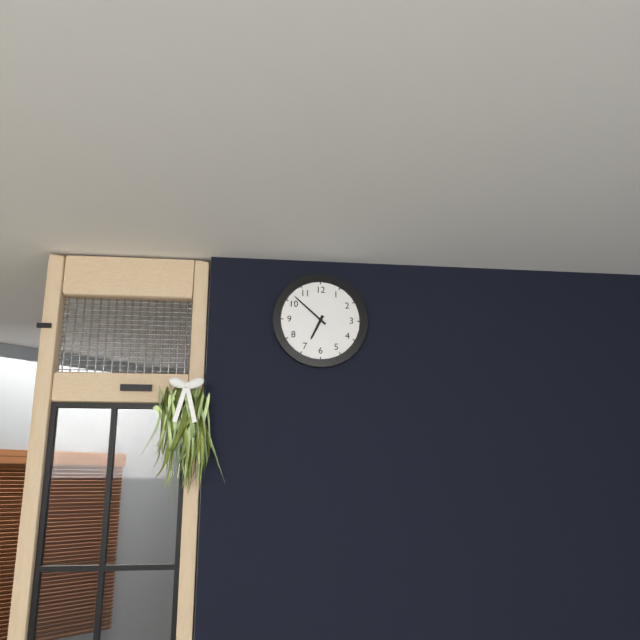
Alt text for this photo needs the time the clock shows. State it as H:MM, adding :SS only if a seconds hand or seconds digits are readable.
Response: 6:52
